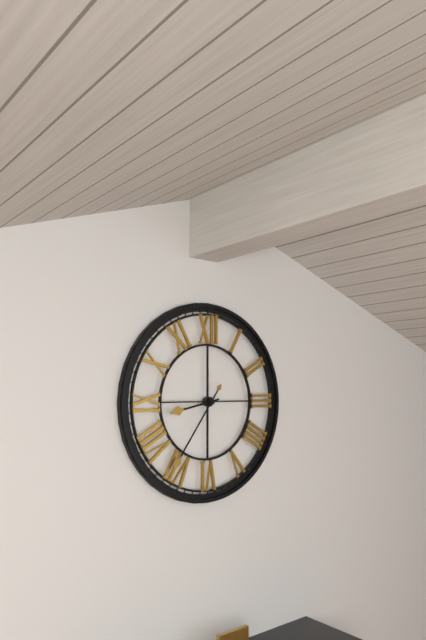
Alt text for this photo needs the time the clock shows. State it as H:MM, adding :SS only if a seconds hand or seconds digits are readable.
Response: 8:36
